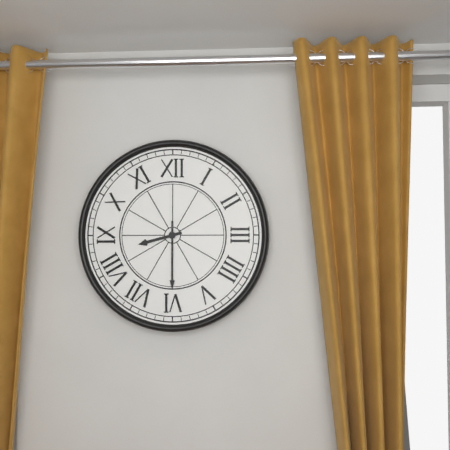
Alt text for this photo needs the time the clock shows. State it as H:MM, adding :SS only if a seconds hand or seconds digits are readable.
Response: 8:30
